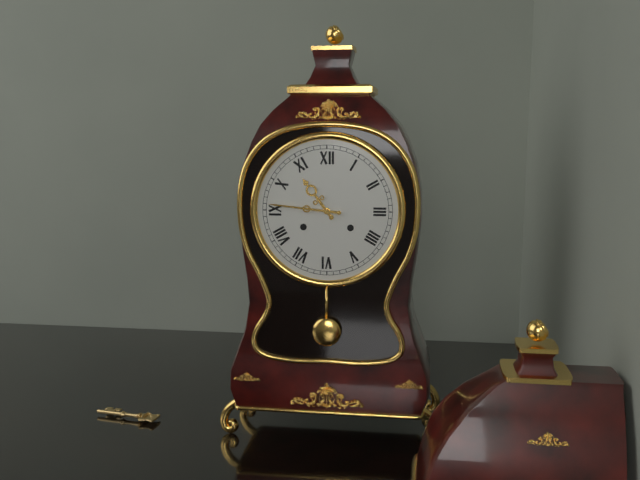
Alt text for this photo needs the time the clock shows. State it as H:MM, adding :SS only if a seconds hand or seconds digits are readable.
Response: 10:46
